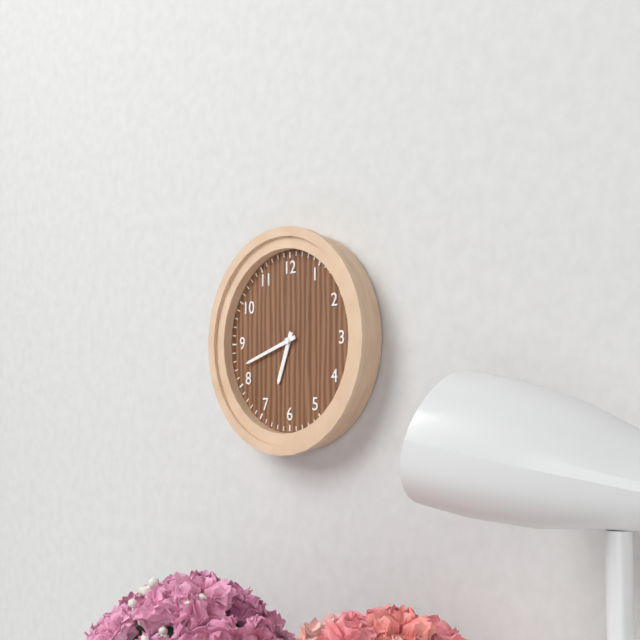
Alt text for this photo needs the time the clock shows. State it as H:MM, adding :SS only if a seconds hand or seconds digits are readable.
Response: 6:42
